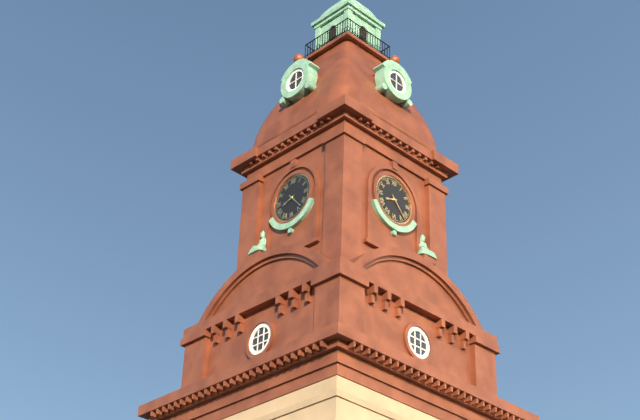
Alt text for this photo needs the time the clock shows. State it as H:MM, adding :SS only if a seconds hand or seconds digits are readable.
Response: 8:23
